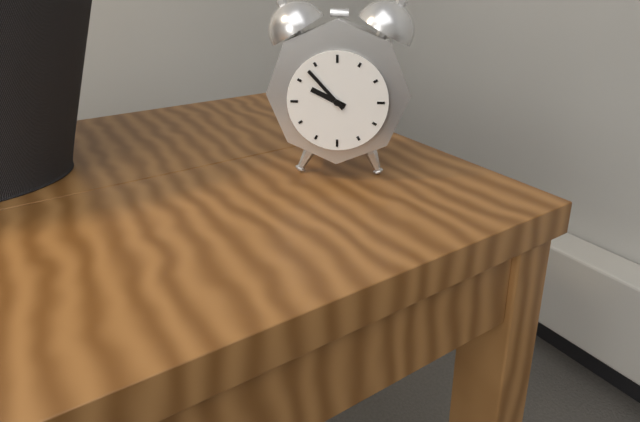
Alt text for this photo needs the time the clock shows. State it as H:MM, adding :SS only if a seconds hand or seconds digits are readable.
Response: 9:53
